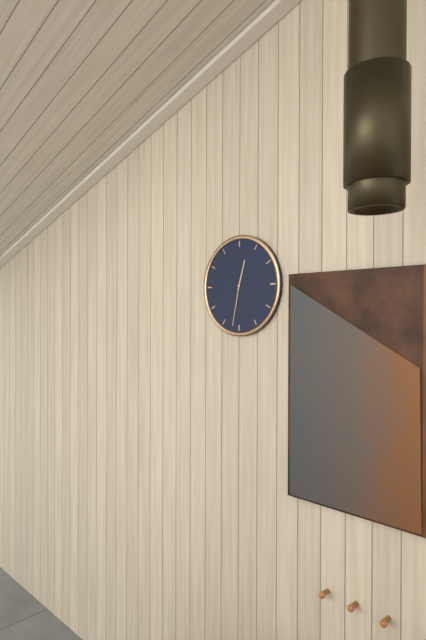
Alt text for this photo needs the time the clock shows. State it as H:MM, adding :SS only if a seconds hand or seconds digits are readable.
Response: 12:32
